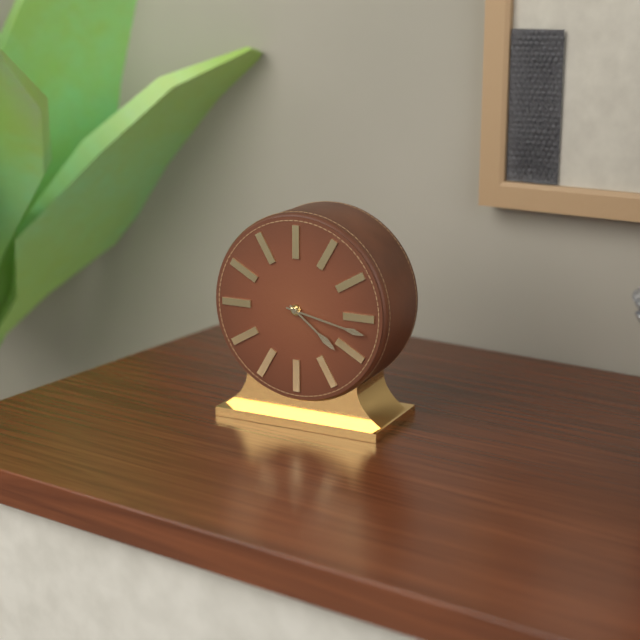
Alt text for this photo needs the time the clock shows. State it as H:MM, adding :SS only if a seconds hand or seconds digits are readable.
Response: 4:17
